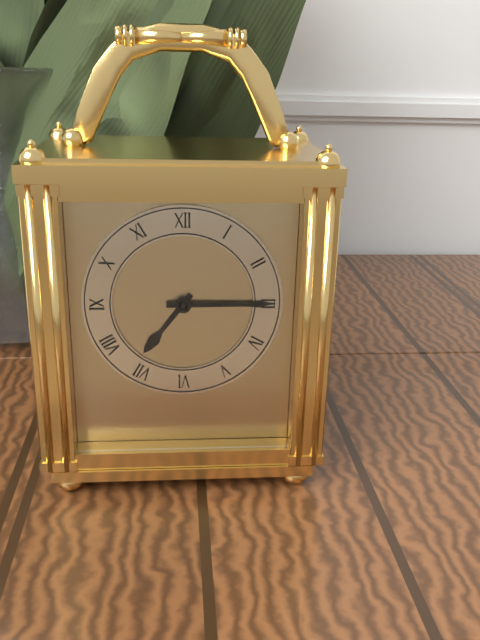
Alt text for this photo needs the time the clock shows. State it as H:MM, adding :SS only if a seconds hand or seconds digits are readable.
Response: 7:15
